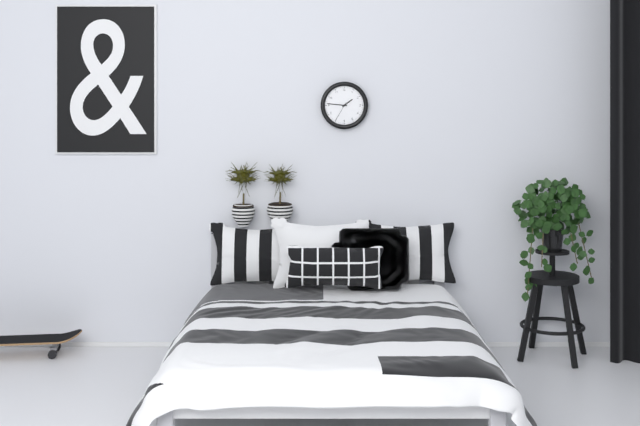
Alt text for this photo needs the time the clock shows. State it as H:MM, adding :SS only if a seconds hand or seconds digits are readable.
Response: 1:46
